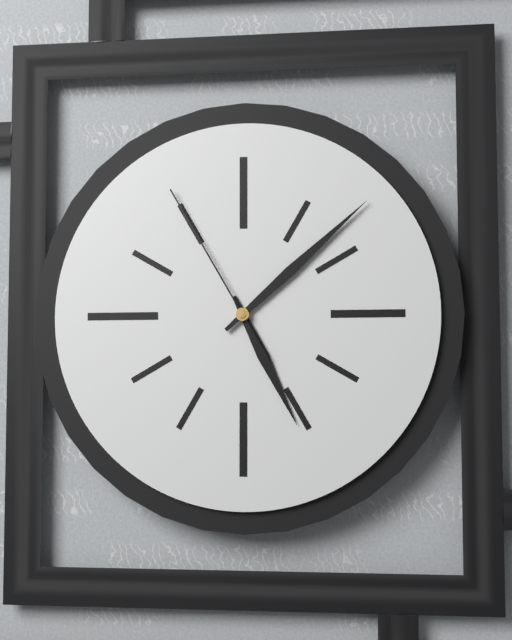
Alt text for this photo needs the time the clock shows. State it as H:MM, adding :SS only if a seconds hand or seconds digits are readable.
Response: 5:08:55
